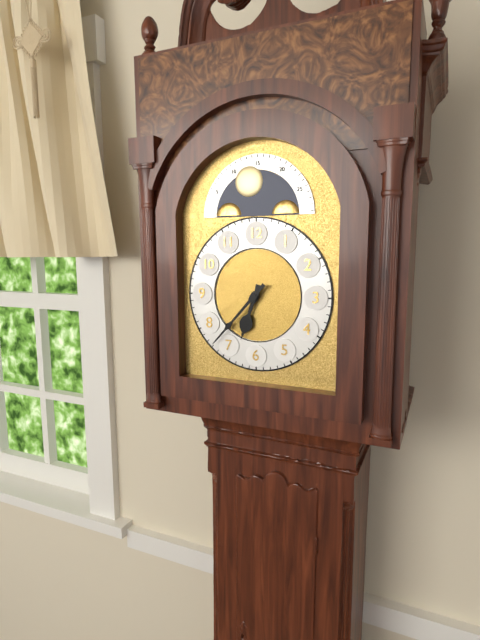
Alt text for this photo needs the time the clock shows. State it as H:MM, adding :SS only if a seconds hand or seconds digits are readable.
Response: 6:37
